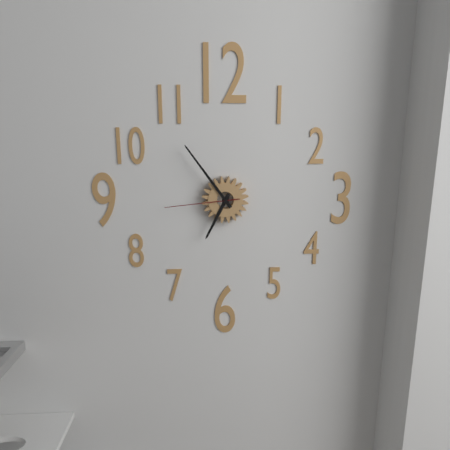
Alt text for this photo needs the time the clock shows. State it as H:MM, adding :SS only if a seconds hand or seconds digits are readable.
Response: 6:54:44
